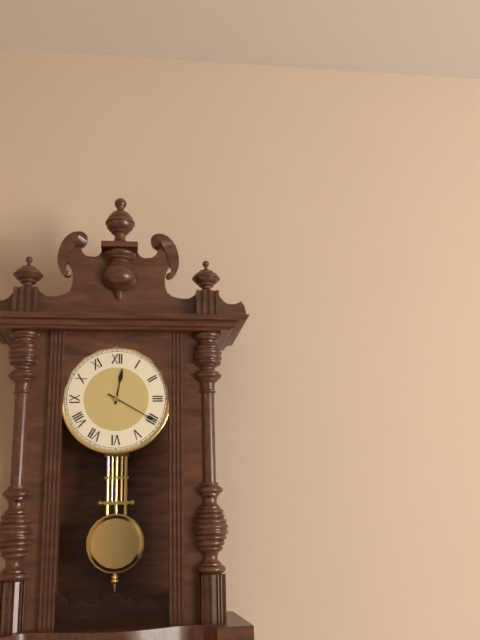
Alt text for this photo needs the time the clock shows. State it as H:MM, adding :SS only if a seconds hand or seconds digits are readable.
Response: 12:20
